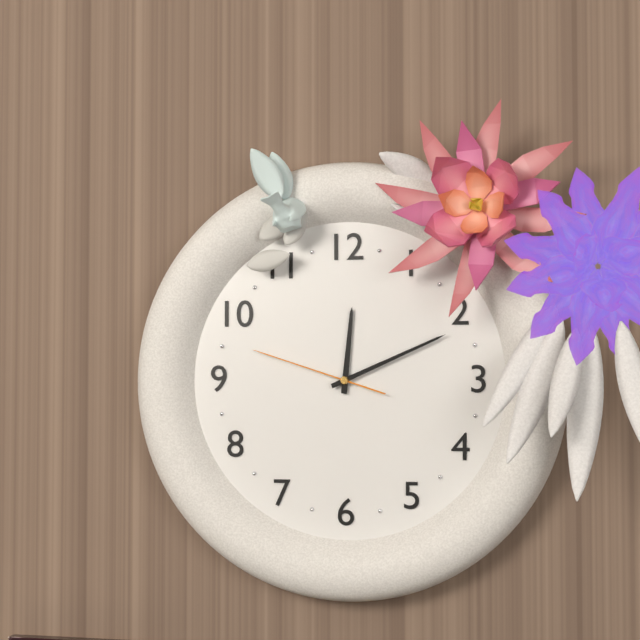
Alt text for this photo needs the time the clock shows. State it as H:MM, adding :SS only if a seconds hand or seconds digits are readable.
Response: 12:11:48
